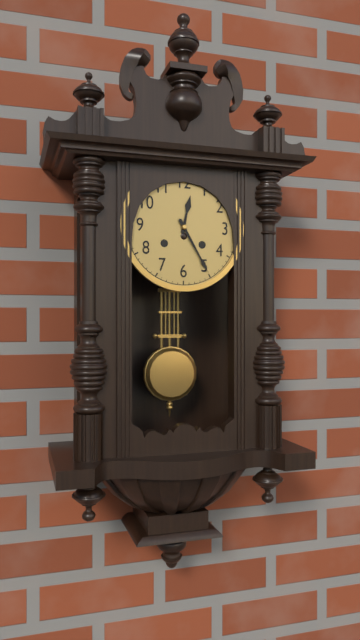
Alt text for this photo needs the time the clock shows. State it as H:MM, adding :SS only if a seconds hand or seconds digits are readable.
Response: 12:25
